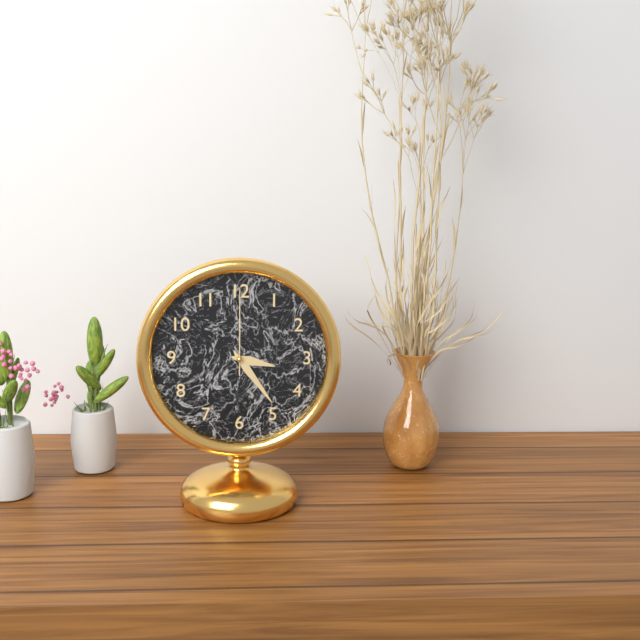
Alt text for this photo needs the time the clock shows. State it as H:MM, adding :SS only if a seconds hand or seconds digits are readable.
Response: 3:24:00
